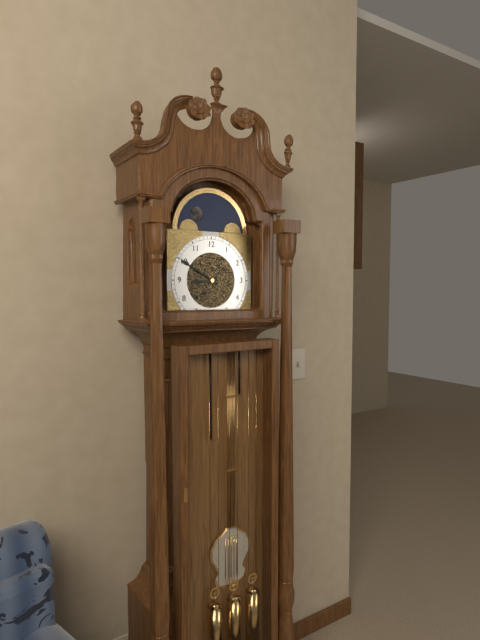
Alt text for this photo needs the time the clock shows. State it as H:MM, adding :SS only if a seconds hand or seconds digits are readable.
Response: 8:50
